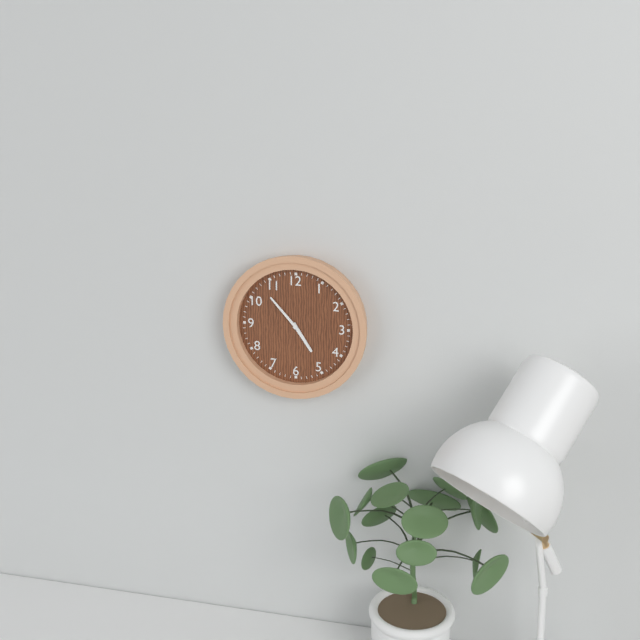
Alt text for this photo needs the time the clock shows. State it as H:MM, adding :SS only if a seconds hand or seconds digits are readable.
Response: 4:53
